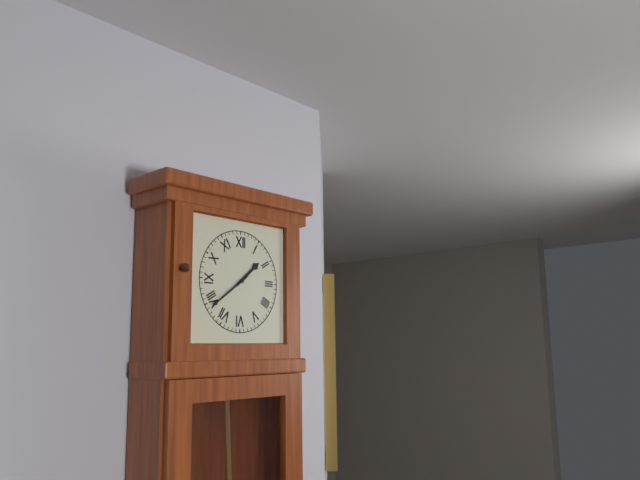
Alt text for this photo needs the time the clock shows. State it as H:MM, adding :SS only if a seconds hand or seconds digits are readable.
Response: 1:39
